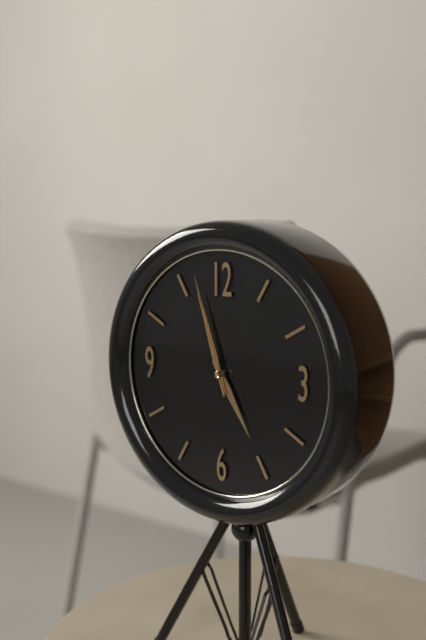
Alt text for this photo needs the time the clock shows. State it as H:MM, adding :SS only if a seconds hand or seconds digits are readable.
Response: 4:57:57
